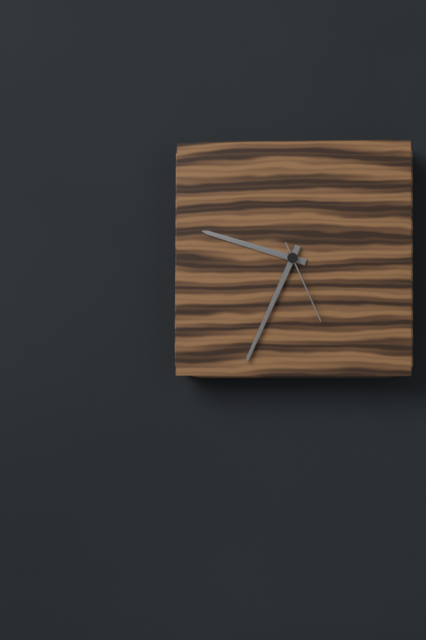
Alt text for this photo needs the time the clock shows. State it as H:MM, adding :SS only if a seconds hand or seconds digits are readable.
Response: 9:34:26
